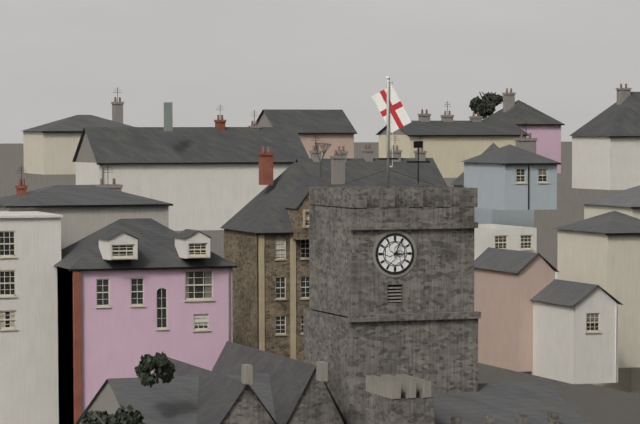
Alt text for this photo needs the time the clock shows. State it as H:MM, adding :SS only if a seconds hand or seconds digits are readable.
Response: 3:04
